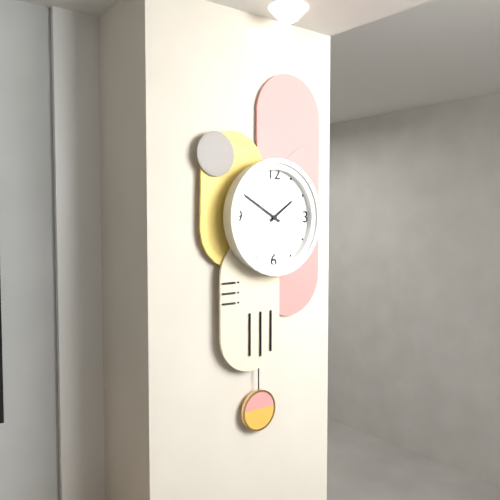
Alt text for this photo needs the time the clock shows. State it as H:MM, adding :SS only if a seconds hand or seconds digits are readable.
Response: 1:50
